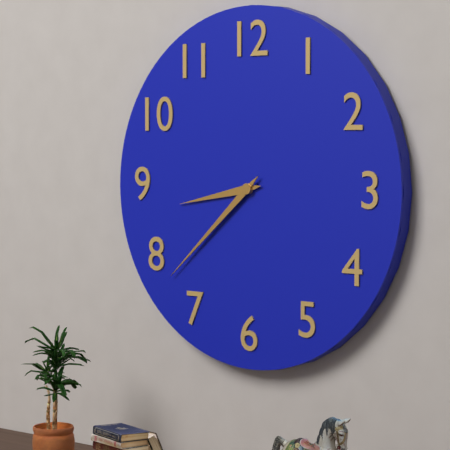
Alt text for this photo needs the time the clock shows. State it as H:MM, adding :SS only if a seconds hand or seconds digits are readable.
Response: 8:38
